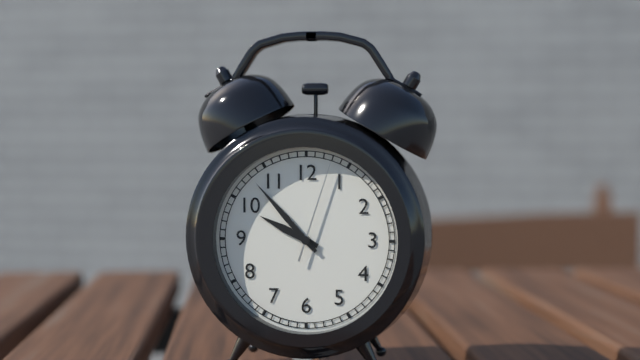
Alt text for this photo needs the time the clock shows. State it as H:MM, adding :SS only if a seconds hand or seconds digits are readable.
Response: 9:53:03
